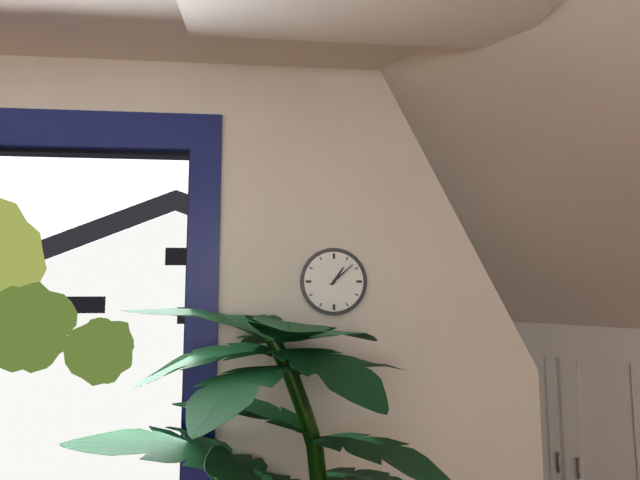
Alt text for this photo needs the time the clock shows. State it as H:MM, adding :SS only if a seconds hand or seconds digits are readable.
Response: 1:08
